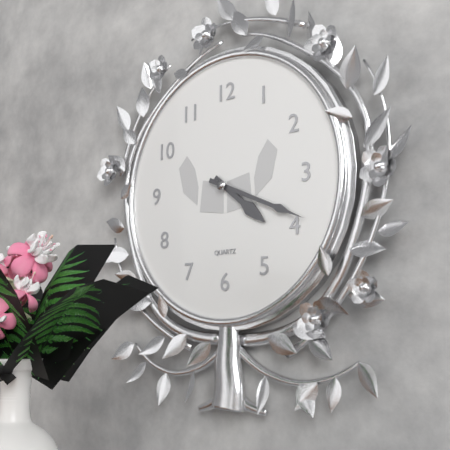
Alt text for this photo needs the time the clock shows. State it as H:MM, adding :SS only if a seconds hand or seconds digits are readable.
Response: 4:19
